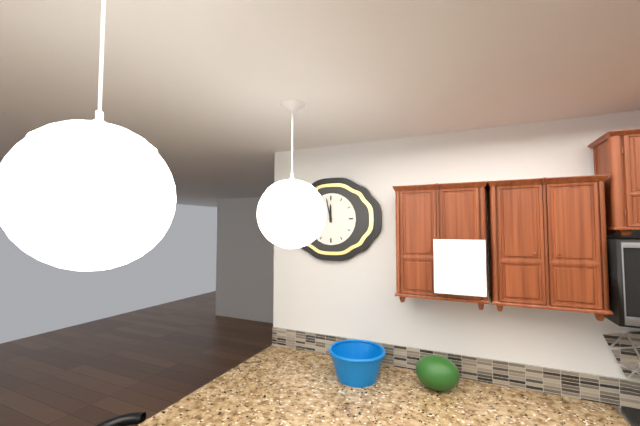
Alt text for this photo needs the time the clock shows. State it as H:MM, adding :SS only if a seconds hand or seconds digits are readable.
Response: 11:58
